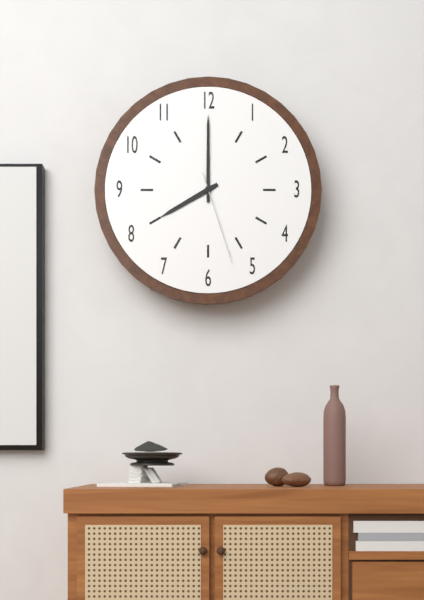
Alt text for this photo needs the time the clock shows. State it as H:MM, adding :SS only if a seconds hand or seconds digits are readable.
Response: 8:00:27
